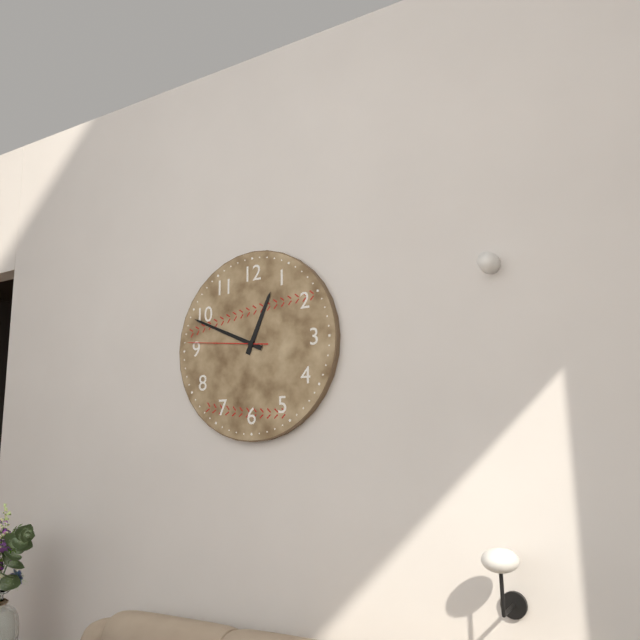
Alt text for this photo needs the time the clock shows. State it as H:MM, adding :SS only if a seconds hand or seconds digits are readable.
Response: 12:49:46
